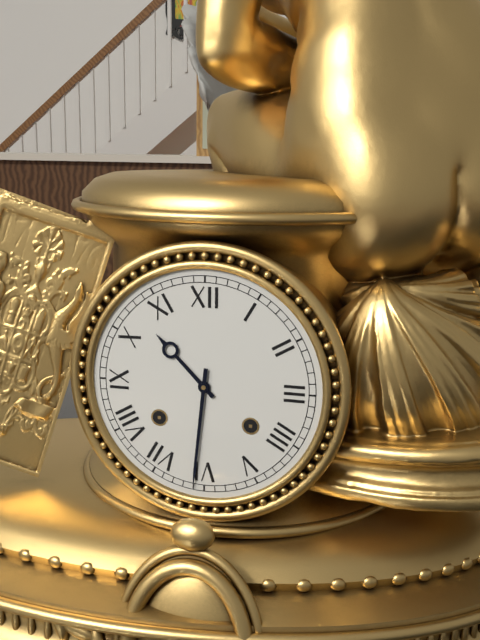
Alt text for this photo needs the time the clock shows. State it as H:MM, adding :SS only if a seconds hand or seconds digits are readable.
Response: 10:31
